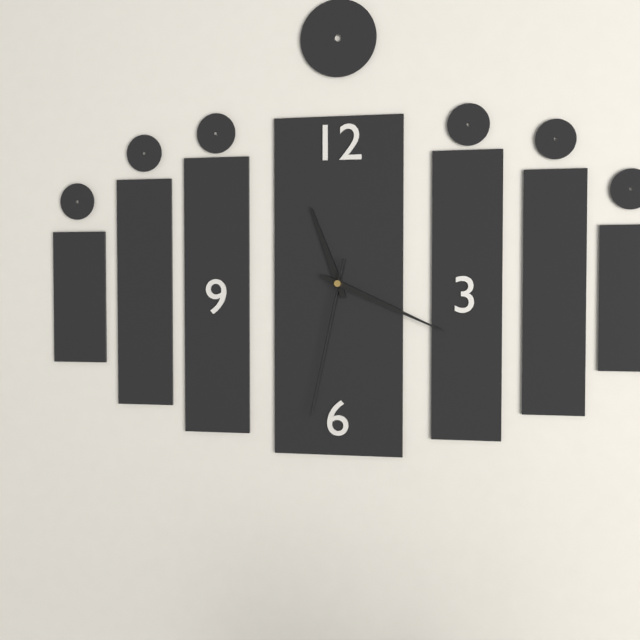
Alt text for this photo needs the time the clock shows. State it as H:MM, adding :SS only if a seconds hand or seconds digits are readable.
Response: 11:19:32
